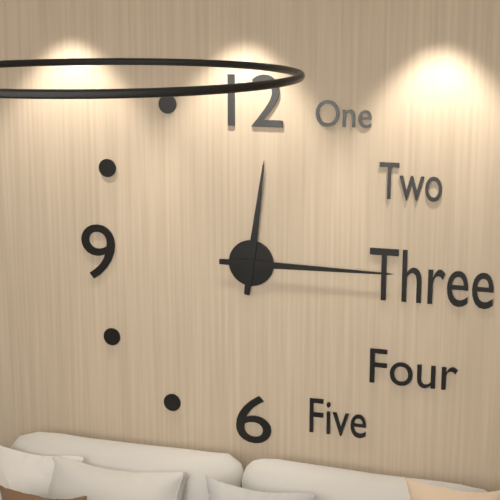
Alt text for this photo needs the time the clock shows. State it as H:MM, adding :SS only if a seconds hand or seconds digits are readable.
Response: 12:15
